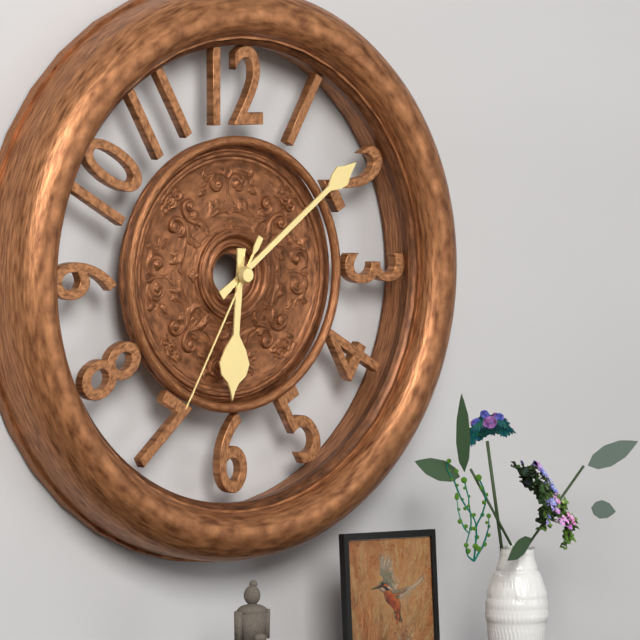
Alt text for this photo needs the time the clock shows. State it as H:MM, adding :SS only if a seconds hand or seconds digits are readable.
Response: 6:09:35
